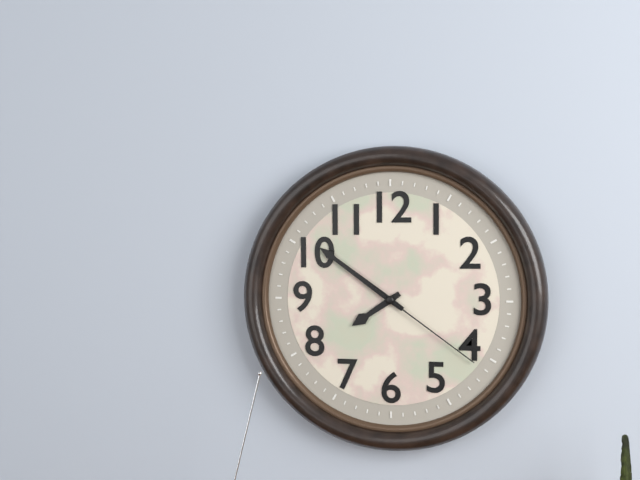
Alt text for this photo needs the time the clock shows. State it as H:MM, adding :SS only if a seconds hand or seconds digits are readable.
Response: 7:51:21
